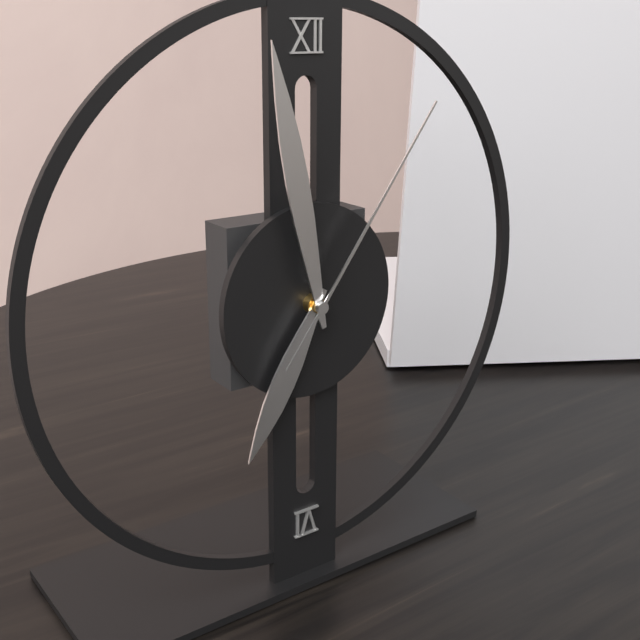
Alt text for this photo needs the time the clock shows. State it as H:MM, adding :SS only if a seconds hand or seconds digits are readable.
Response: 6:58:06
